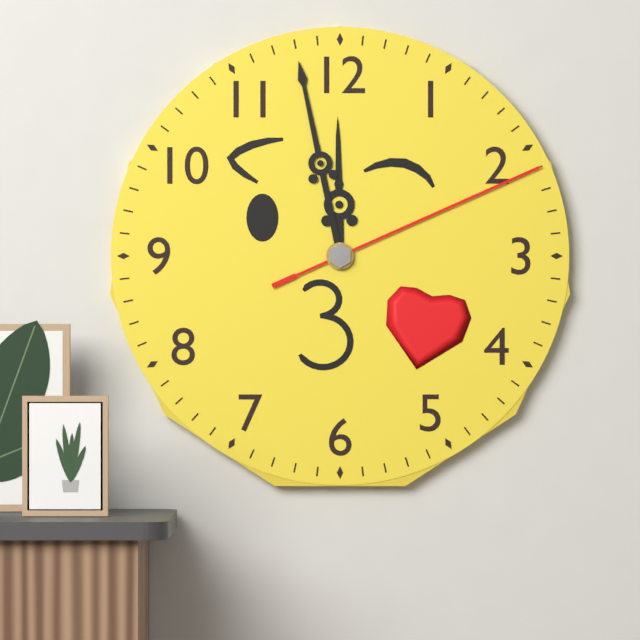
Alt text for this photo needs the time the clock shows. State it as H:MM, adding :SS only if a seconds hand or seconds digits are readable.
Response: 11:58:11
